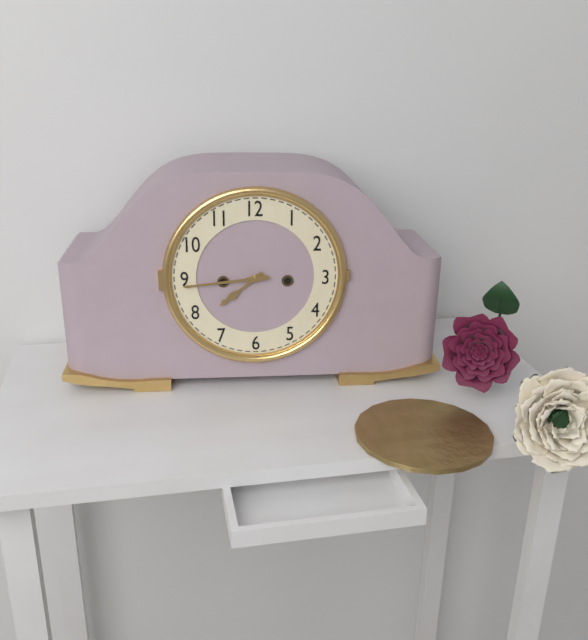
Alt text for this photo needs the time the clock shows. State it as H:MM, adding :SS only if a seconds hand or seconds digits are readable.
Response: 7:44
